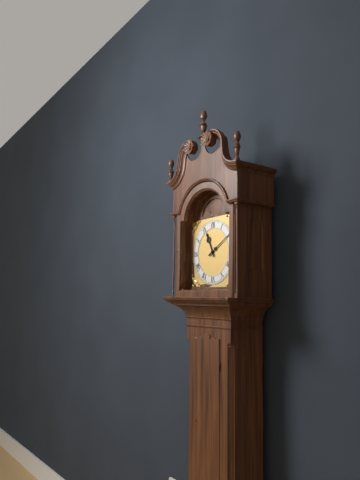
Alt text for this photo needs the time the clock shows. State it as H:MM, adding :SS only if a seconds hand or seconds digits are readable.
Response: 11:10
